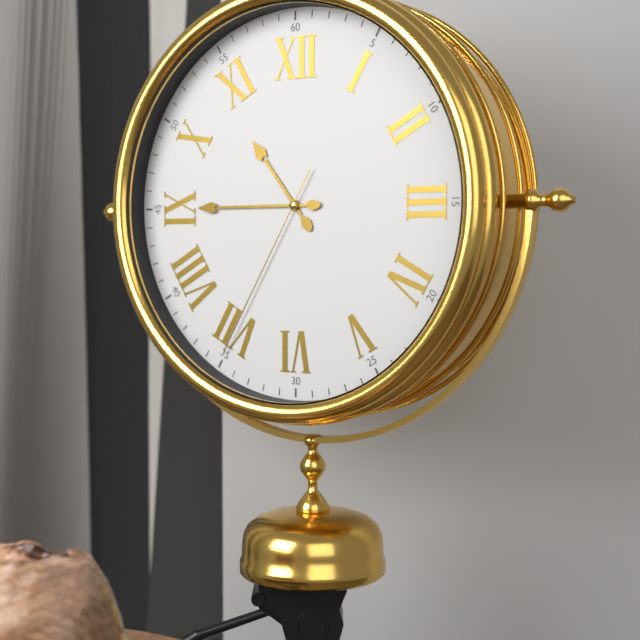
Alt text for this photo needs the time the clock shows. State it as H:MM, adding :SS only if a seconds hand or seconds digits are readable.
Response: 10:45:35
